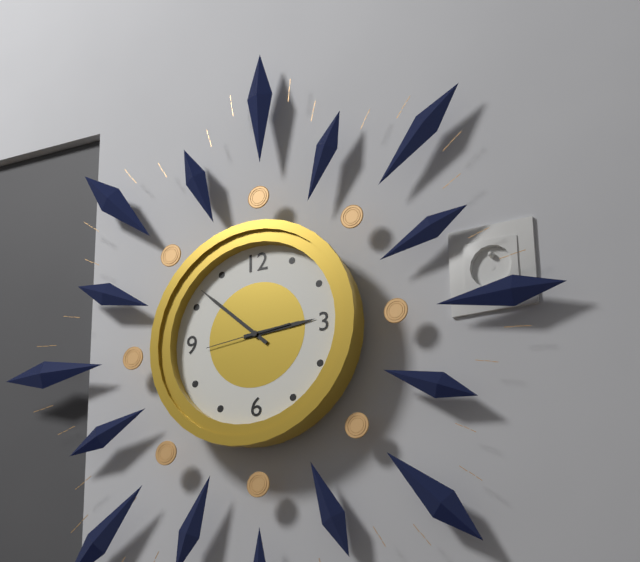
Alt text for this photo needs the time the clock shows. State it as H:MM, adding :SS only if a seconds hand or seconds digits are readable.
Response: 2:52:44
